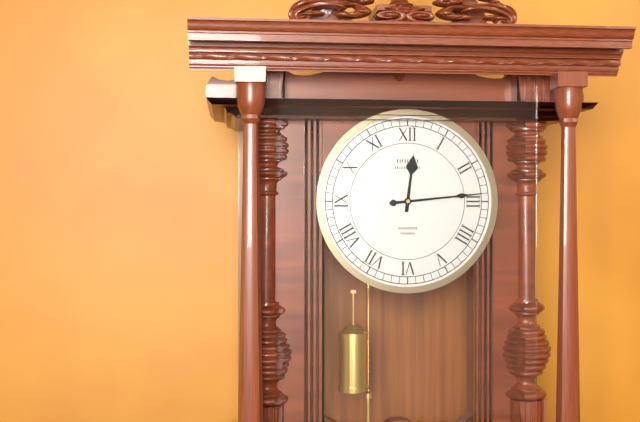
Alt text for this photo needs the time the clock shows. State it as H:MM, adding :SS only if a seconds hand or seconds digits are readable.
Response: 12:14
